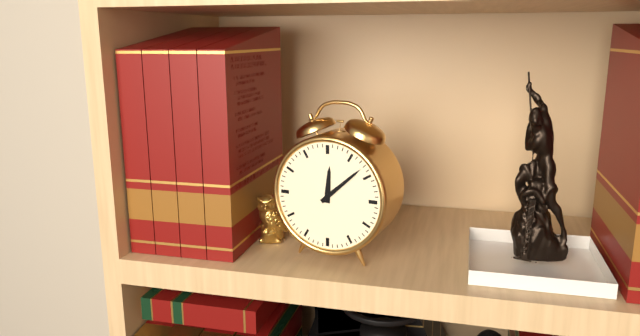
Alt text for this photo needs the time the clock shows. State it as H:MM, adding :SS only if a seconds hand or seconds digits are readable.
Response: 12:08
